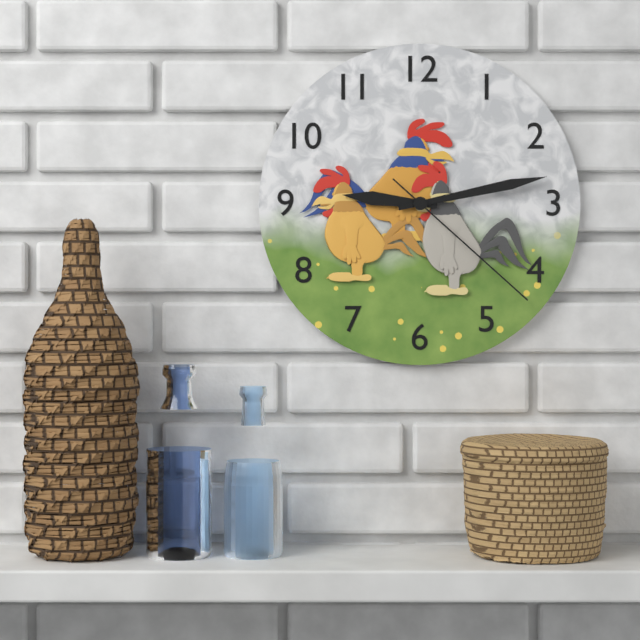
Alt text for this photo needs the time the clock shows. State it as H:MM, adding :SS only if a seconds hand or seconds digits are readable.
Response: 9:13:22
